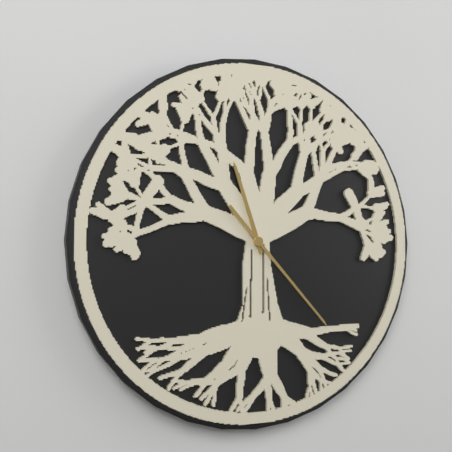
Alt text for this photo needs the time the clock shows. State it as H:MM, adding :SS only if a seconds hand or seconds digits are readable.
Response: 11:23
